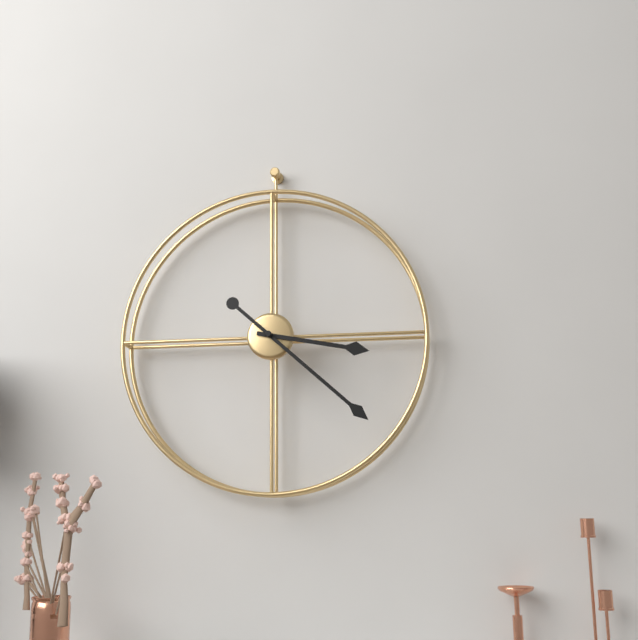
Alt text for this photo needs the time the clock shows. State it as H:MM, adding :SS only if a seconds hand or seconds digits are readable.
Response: 3:22
